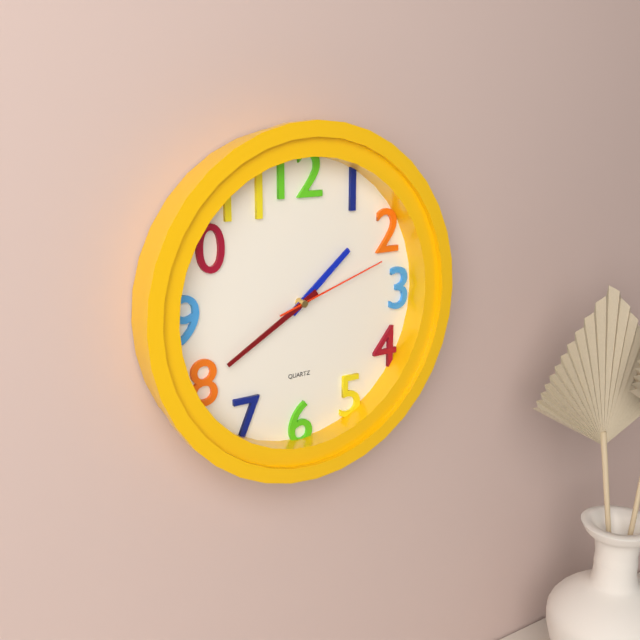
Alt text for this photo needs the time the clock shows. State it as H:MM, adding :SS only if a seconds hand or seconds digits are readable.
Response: 1:40:12
